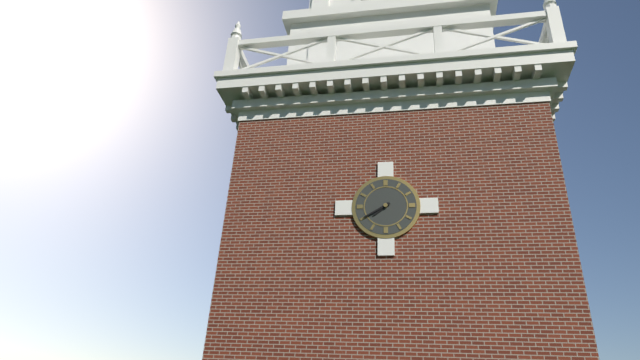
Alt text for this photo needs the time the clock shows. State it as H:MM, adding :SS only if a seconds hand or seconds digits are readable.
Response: 7:40
